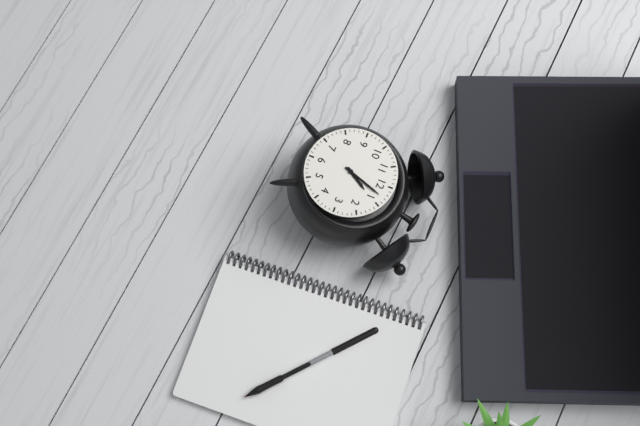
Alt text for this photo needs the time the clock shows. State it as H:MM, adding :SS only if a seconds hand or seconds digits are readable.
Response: 1:03
